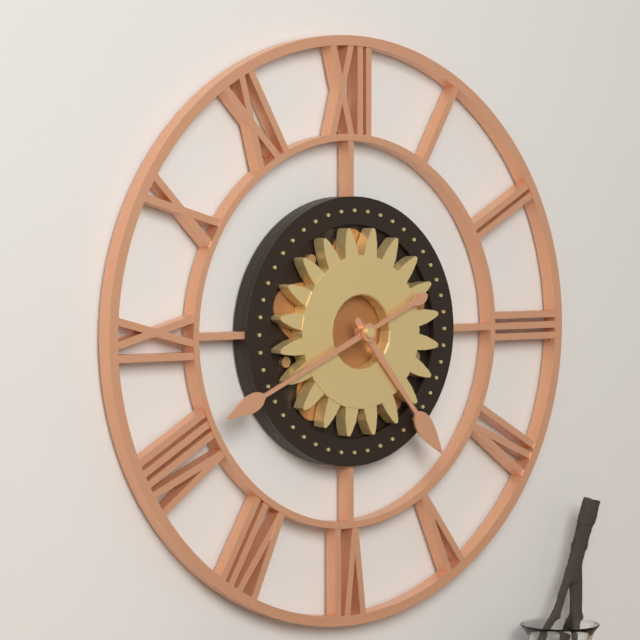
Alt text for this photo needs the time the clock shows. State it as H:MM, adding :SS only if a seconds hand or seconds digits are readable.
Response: 4:41
